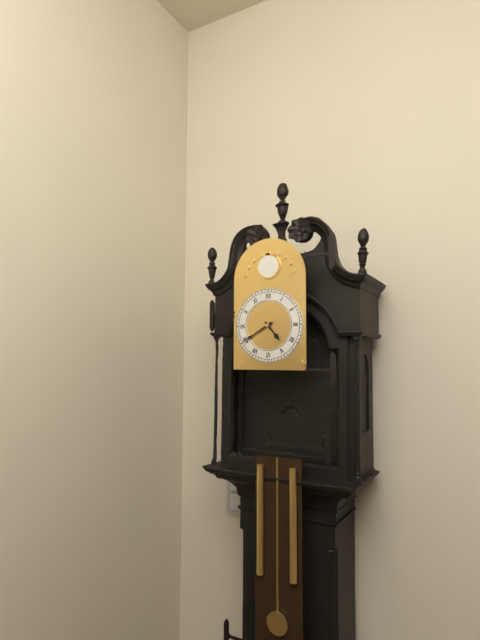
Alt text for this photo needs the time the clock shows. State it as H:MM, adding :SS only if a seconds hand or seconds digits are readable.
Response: 4:40
